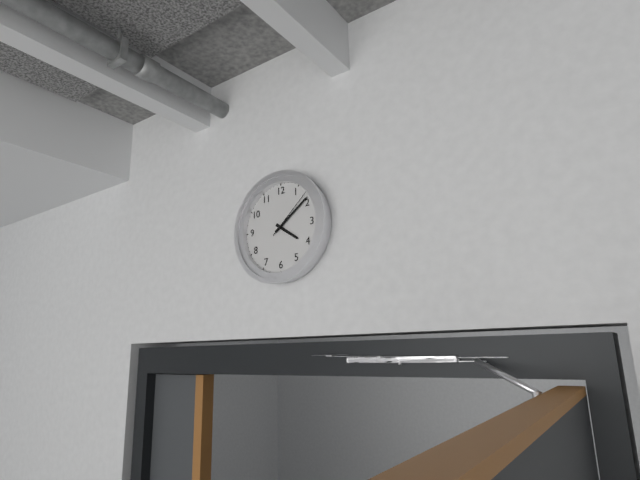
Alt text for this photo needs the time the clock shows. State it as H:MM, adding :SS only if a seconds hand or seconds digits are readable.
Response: 4:09:08
